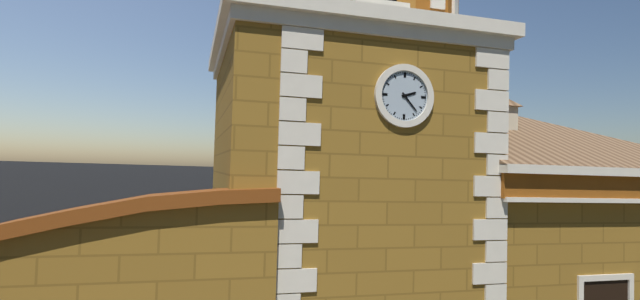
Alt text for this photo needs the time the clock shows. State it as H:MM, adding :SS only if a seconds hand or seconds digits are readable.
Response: 2:23
